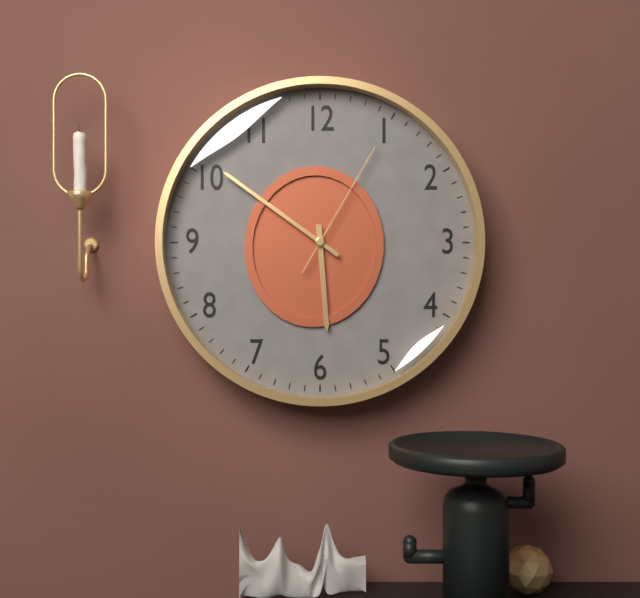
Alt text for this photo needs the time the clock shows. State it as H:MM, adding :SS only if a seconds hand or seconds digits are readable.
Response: 5:51:05
